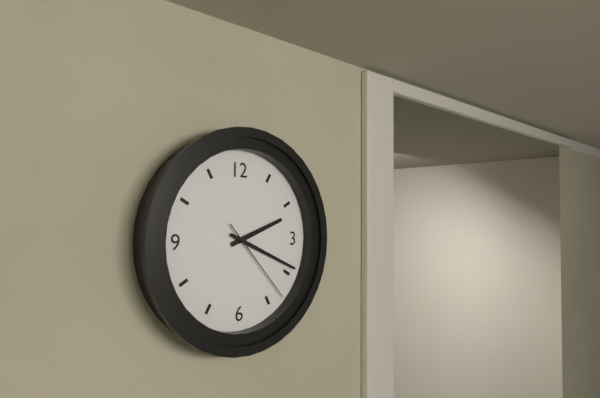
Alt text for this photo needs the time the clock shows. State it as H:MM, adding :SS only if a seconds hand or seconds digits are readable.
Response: 2:19:23
